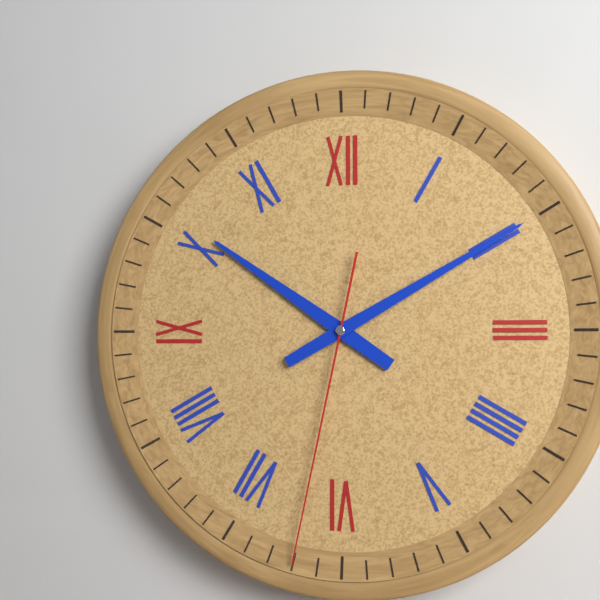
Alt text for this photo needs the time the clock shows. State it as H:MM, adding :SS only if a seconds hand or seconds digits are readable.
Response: 10:10:32
